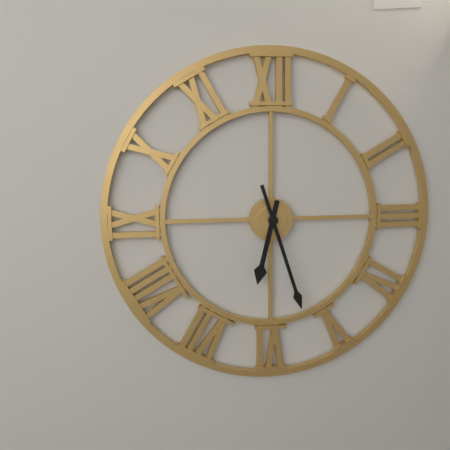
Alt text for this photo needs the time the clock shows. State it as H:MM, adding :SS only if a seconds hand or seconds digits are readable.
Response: 6:27
